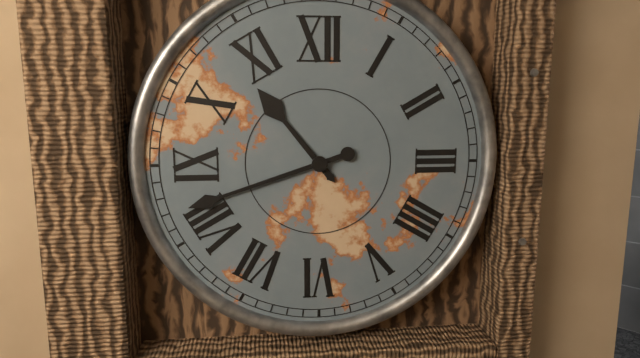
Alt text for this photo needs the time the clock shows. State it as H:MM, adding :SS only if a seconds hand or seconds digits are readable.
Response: 10:42
